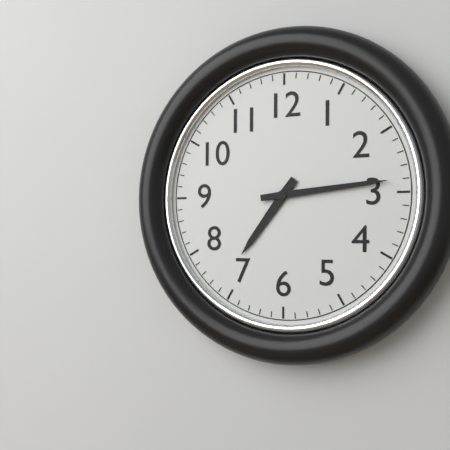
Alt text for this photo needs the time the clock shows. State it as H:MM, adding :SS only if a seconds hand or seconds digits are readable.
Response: 7:14
